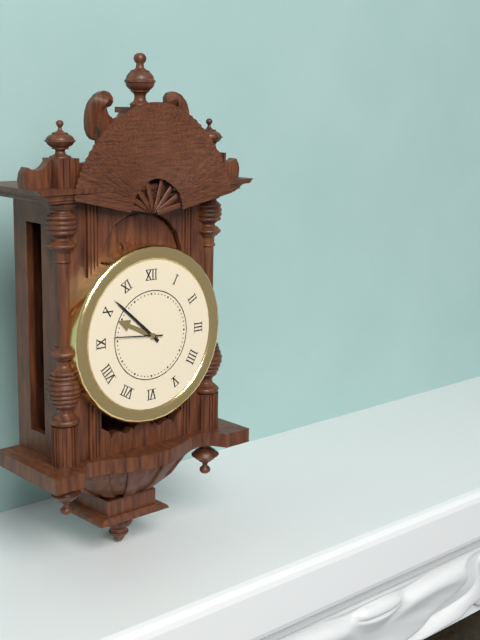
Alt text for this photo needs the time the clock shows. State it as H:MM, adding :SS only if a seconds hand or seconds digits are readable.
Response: 9:52
